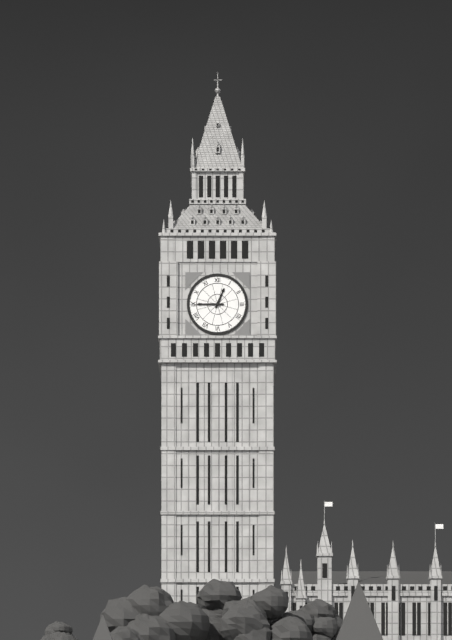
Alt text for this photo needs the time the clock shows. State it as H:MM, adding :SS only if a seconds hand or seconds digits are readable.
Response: 12:45
